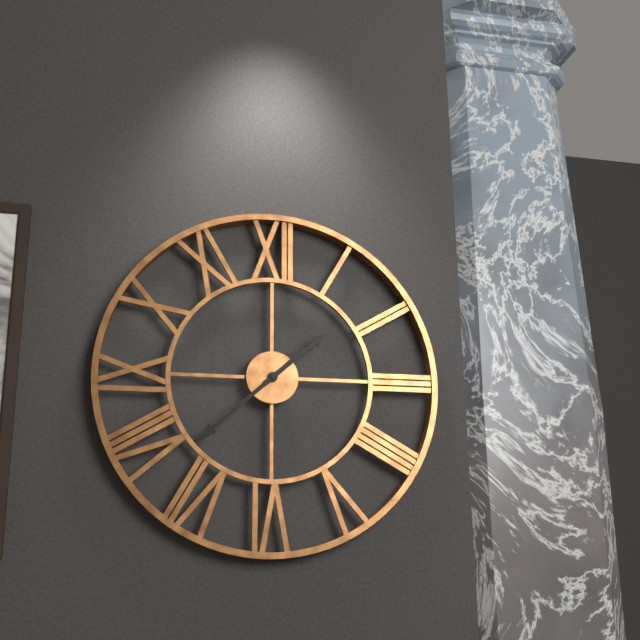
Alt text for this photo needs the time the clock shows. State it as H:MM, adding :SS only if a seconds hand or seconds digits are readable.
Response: 1:38
